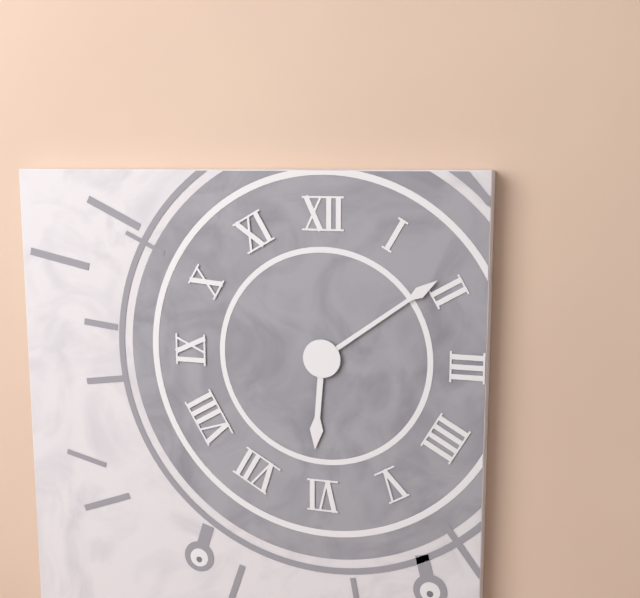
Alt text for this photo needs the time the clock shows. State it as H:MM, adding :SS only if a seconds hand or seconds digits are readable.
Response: 6:09
